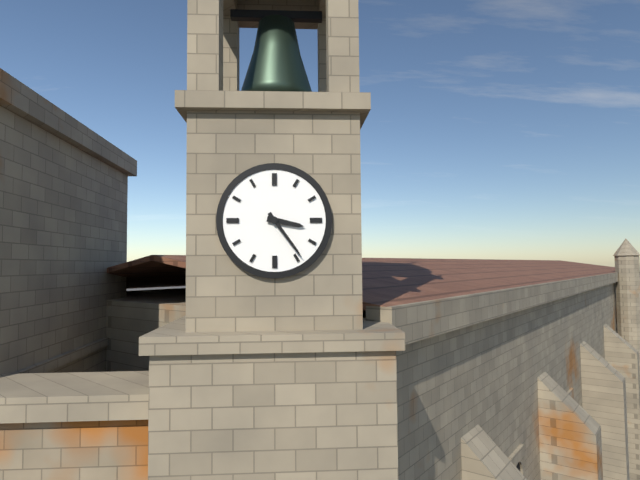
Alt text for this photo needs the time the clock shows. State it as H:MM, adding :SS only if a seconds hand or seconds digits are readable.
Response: 3:24
